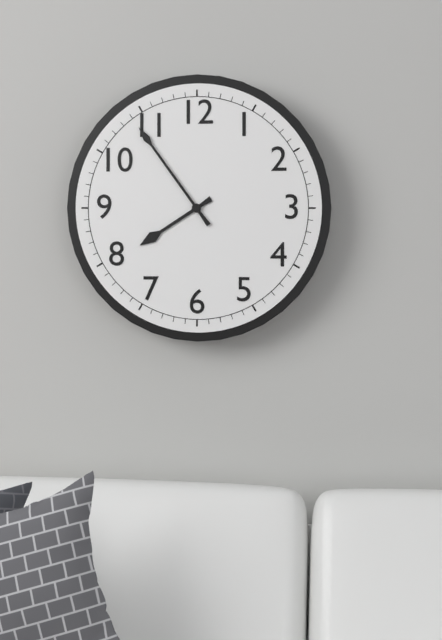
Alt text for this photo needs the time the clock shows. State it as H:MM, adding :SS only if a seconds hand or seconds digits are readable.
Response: 7:54
